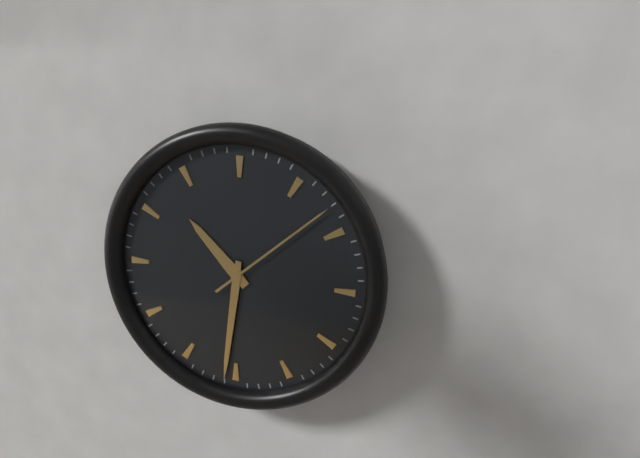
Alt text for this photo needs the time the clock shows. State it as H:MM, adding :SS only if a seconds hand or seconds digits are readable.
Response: 10:31:08
